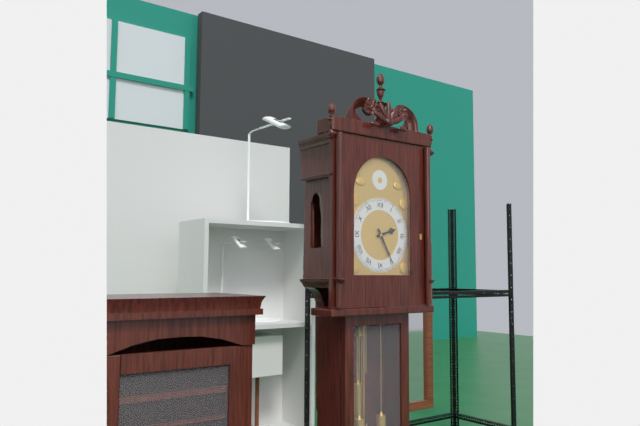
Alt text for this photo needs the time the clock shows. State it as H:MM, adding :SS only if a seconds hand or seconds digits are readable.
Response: 2:25
